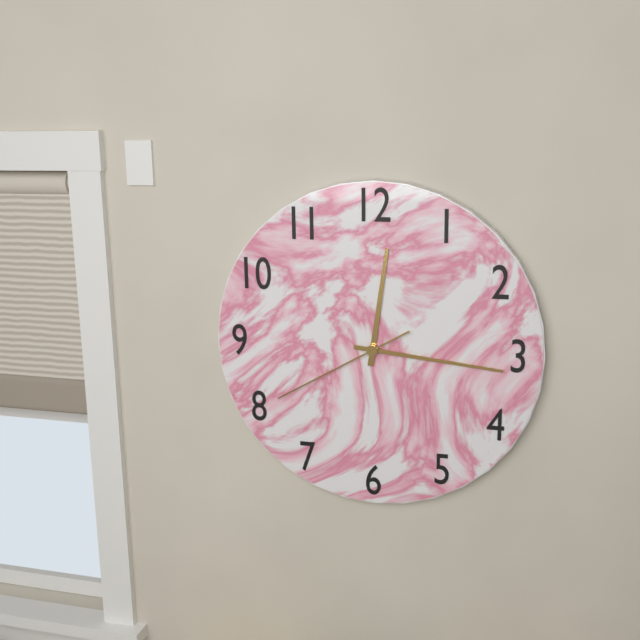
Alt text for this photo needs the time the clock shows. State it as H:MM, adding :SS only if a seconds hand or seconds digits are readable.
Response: 12:16:40
